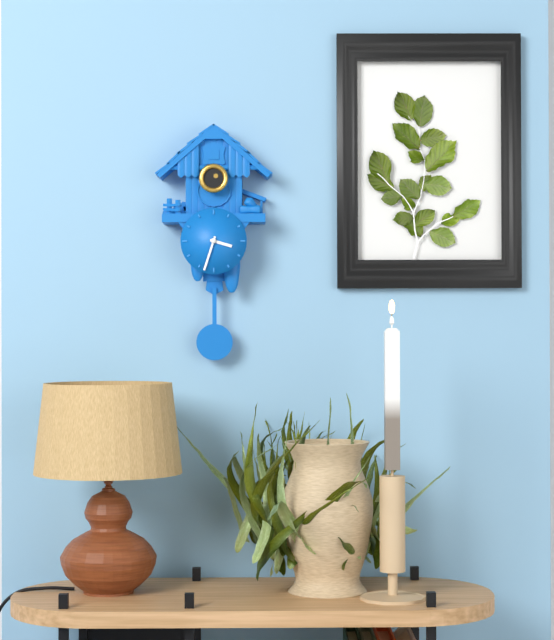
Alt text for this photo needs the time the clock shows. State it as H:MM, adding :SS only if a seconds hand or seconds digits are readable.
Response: 3:33
